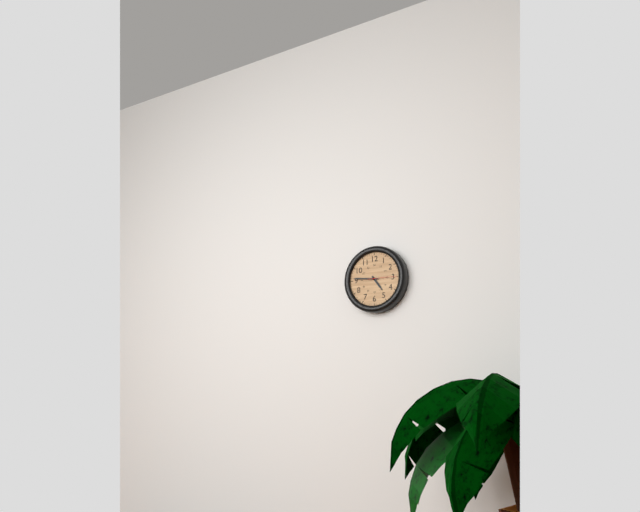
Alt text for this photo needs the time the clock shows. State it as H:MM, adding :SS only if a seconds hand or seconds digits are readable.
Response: 4:46
